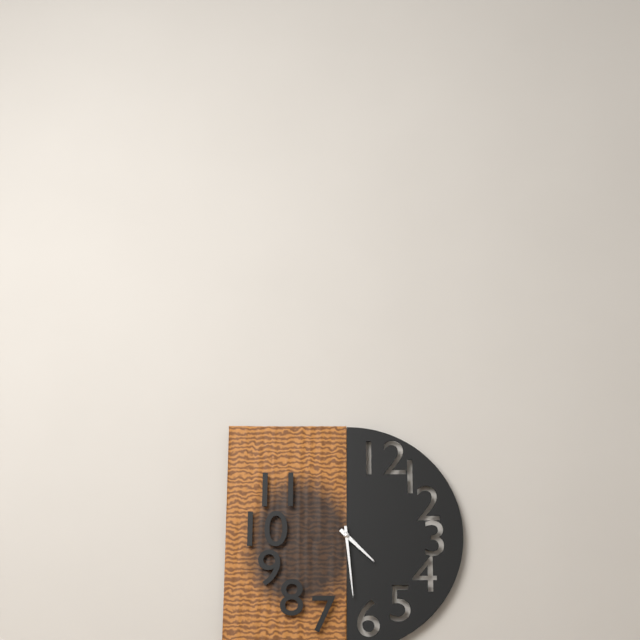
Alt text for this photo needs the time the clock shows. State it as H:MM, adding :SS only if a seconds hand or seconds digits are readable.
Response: 4:29
